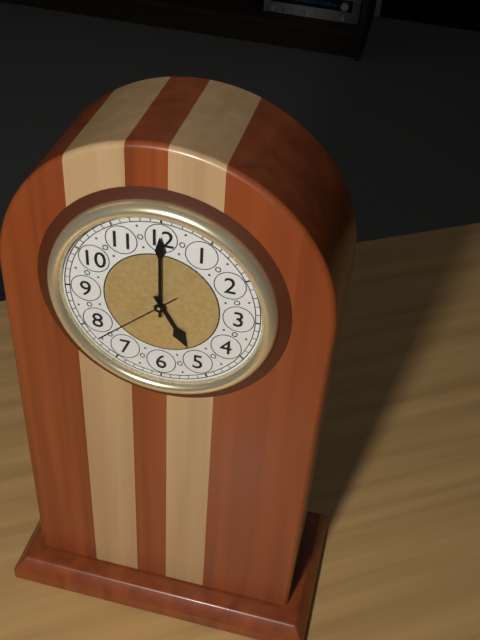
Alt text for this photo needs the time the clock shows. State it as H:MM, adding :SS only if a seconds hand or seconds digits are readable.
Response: 5:00:38
